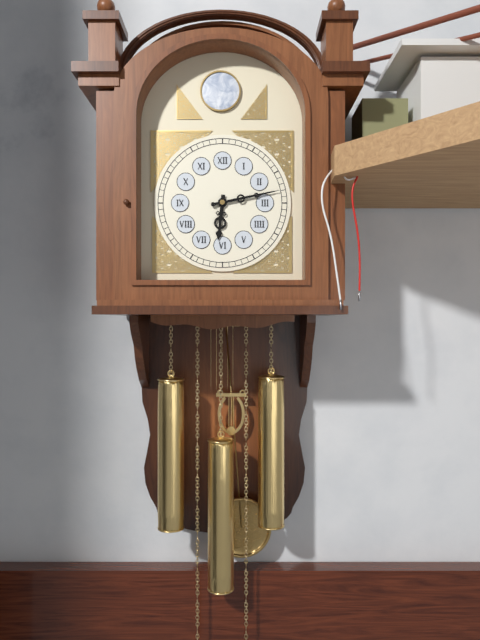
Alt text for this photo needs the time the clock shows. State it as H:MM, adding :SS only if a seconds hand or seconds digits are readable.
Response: 6:13
